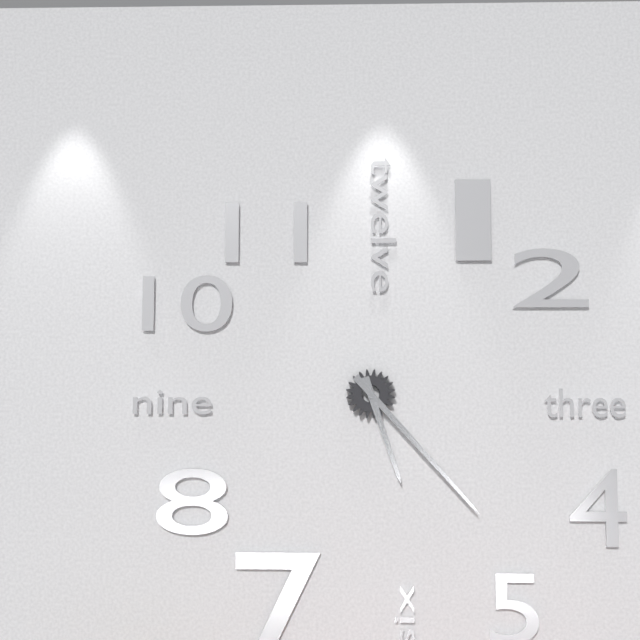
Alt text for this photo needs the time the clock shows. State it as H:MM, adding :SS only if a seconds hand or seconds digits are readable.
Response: 5:23
